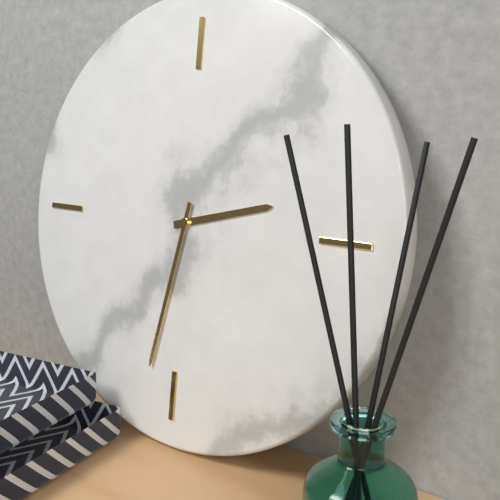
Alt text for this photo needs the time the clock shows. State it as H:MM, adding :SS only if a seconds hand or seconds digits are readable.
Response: 2:32
